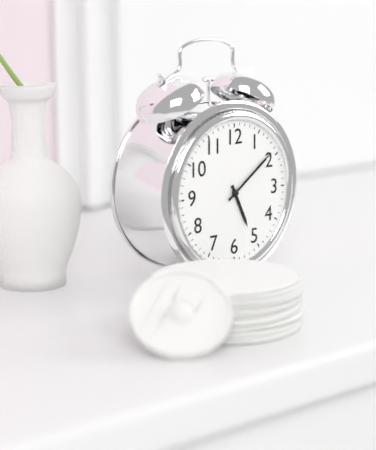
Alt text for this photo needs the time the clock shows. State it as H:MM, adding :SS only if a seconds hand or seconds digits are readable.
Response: 5:09
